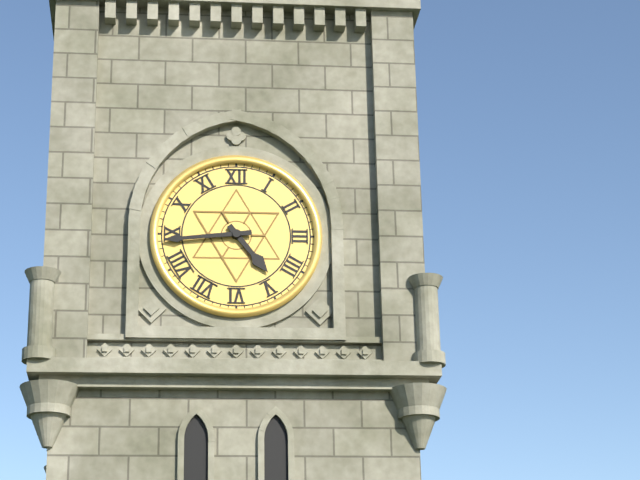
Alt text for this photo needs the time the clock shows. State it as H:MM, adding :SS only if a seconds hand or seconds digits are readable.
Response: 4:44
